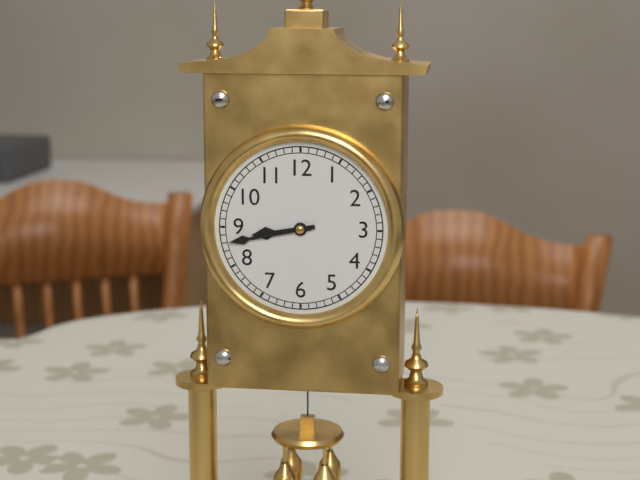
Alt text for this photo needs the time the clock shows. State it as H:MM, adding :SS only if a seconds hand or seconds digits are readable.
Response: 8:43
